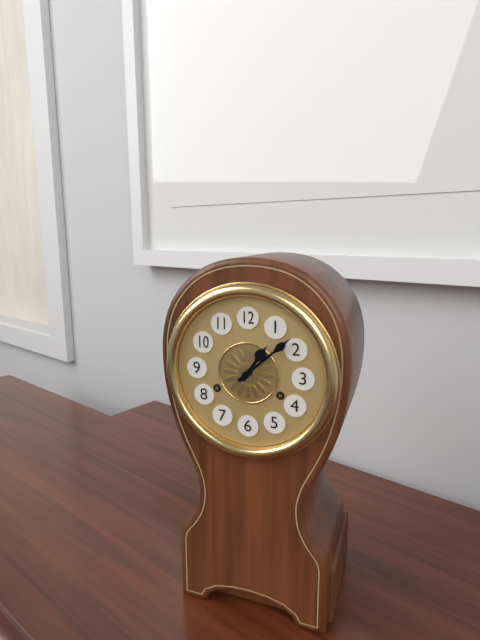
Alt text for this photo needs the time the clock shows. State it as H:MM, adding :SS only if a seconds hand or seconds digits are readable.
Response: 1:08
